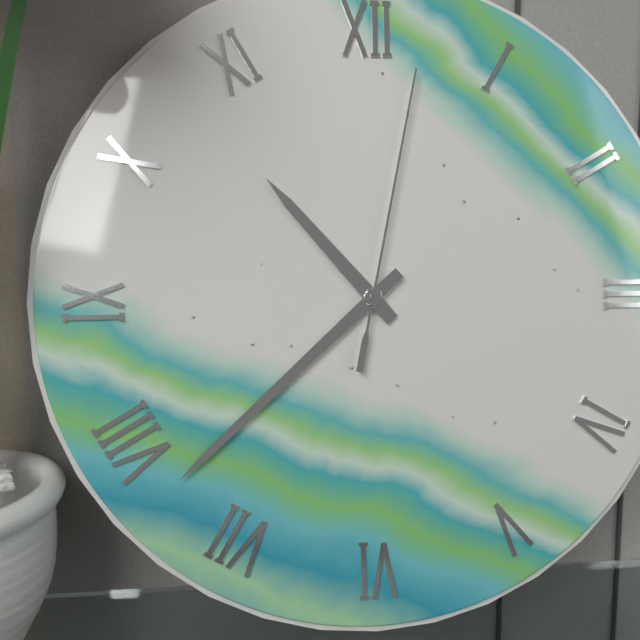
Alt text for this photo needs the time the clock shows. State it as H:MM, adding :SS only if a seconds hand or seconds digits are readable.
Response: 10:38:02
